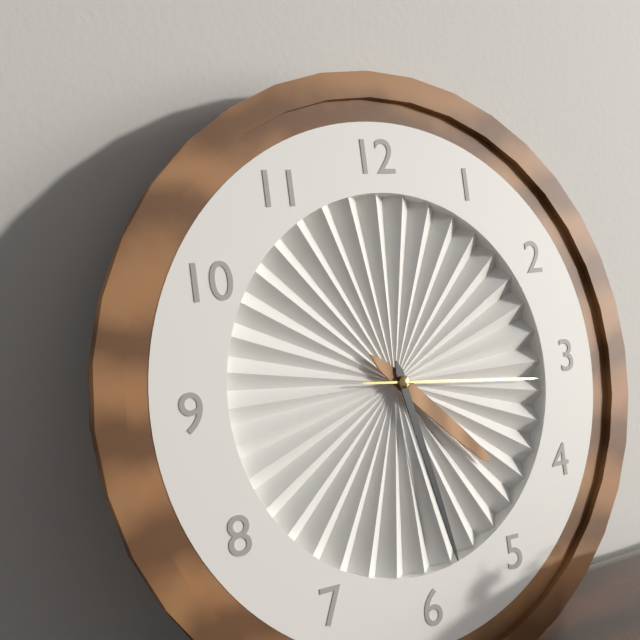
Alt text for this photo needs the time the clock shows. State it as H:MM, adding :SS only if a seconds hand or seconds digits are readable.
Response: 4:28:16
